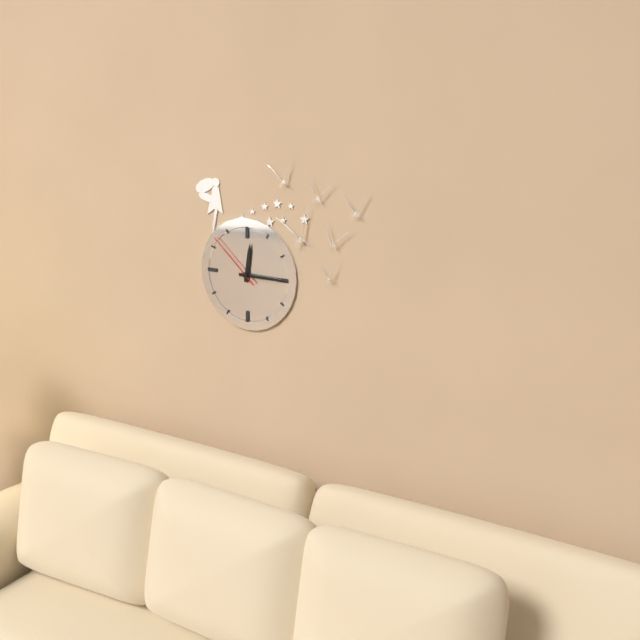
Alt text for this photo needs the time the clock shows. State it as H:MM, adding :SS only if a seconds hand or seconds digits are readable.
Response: 12:15:52
